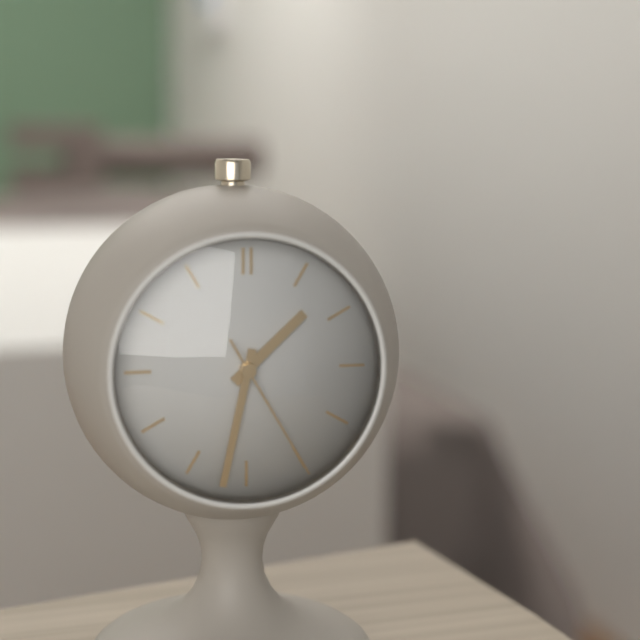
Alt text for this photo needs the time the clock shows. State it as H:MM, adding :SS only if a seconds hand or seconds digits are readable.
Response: 1:32:25
